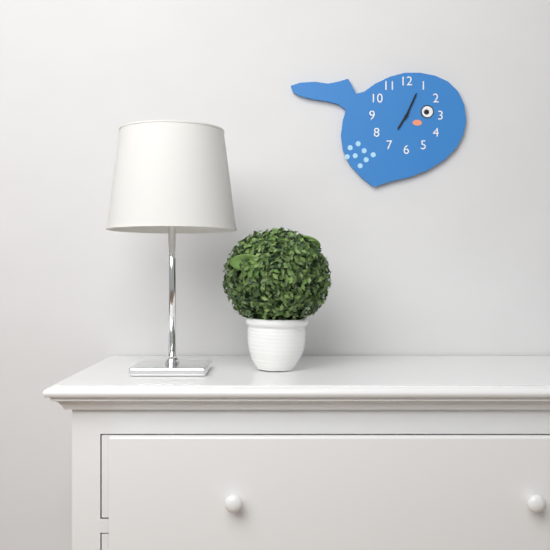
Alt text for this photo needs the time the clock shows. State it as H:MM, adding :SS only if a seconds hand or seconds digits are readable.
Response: 7:04
